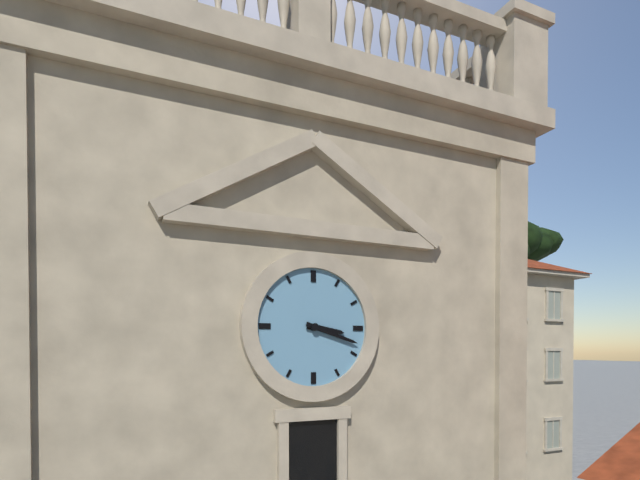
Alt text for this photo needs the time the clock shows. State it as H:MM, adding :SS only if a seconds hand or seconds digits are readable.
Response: 3:18
